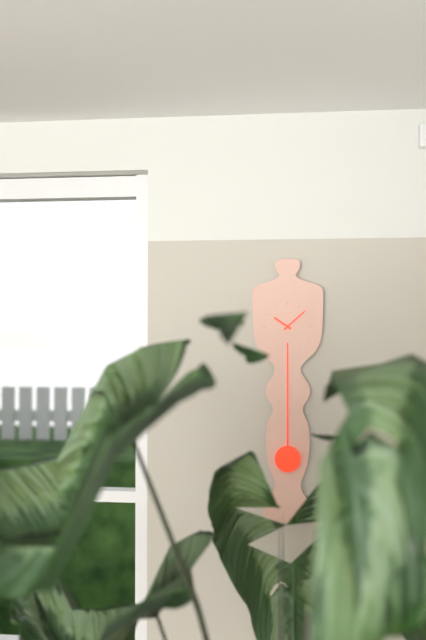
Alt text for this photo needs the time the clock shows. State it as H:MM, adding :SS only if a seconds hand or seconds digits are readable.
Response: 10:08
